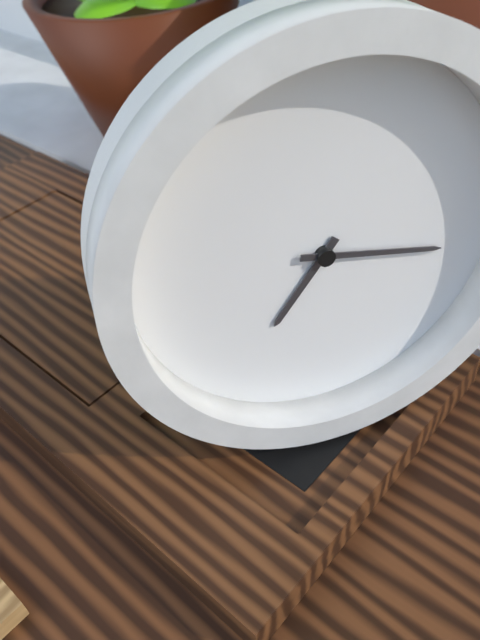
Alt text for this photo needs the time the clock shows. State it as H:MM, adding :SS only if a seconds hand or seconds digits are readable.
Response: 7:17
